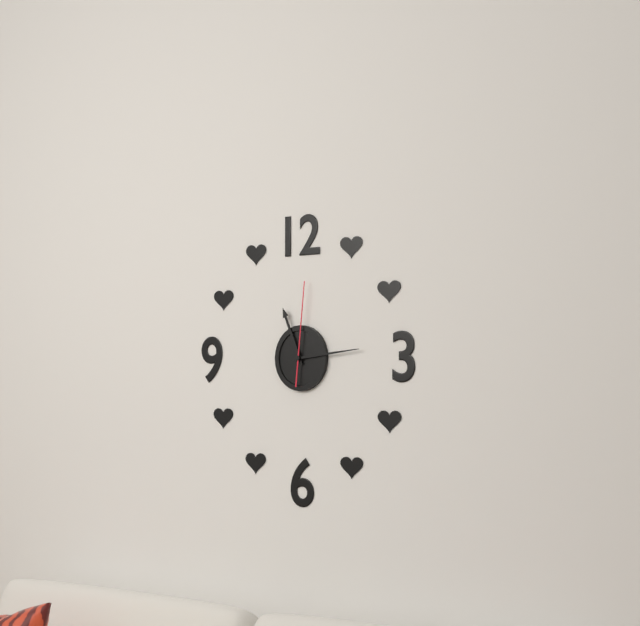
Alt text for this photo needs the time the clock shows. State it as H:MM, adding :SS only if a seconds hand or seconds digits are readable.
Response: 11:14:01
